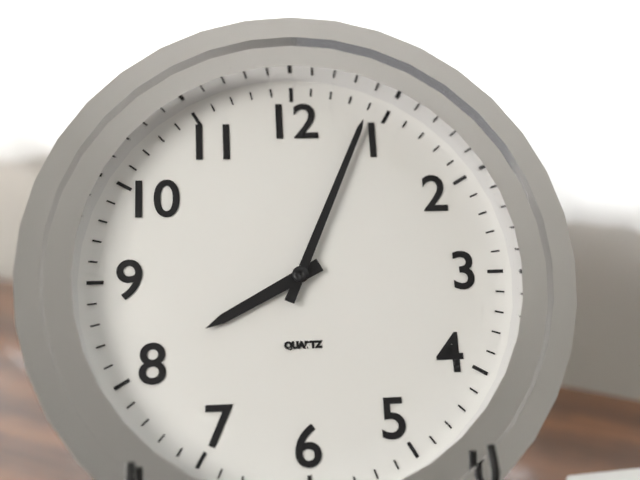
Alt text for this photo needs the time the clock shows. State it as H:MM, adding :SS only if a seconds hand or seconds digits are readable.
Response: 8:04
